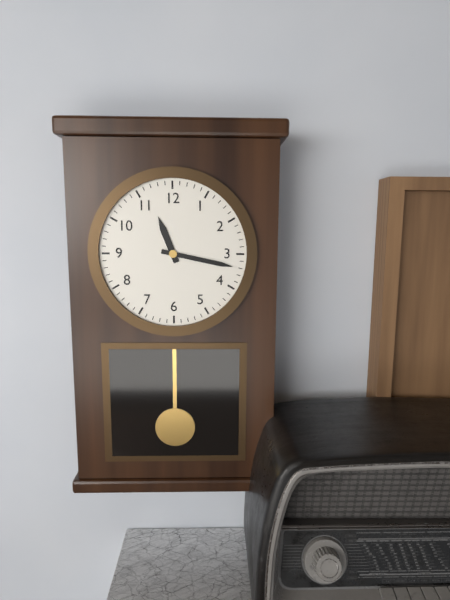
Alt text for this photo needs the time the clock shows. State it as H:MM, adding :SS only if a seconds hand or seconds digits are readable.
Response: 11:17
